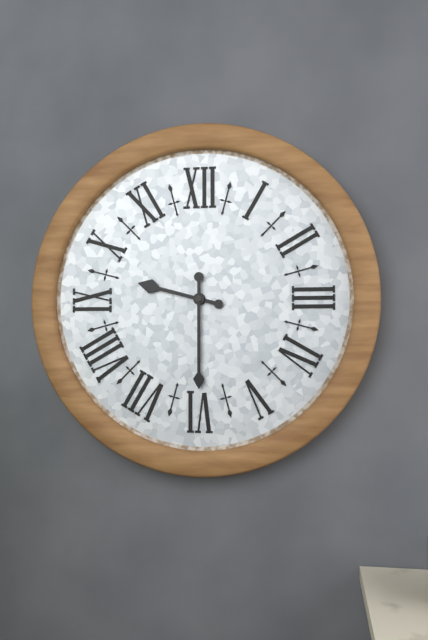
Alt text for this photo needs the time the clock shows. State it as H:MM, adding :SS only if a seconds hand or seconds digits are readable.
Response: 9:30
